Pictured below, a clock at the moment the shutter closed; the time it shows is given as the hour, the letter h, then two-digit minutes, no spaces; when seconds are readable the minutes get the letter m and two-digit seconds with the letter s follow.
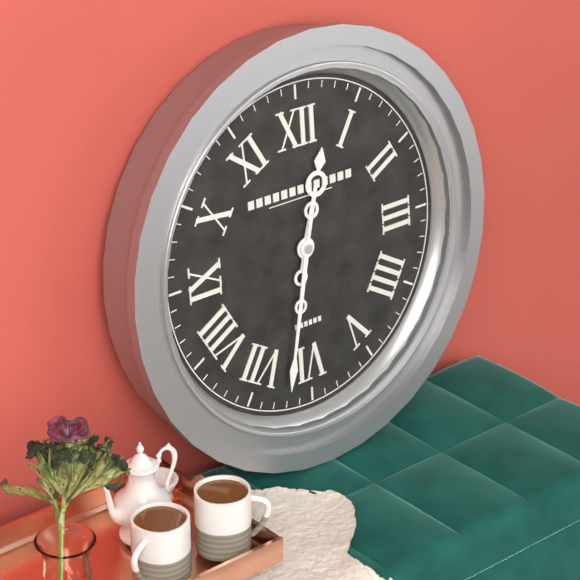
12h32
